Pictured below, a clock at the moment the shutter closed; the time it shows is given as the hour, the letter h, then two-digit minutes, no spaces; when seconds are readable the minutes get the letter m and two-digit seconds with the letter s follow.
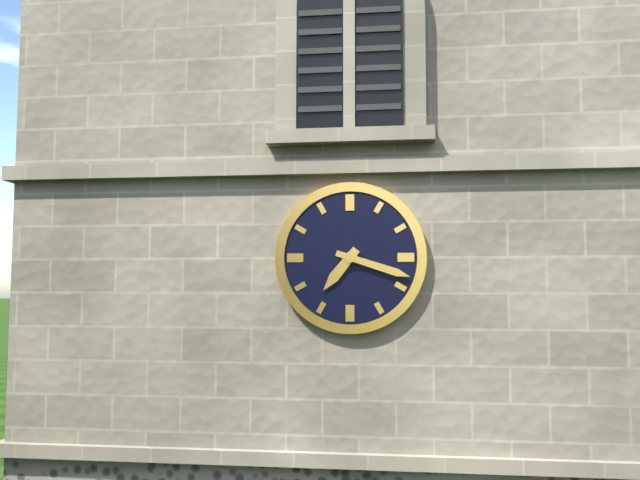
7h18
